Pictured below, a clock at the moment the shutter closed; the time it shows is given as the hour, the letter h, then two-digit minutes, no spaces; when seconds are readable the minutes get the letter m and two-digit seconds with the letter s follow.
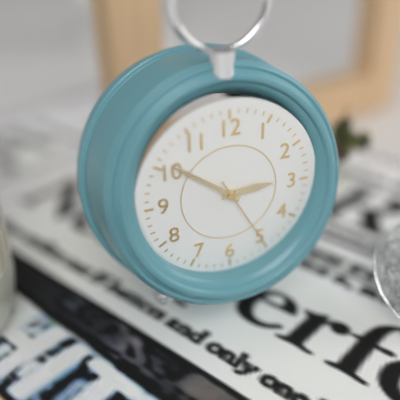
2h51m25s
